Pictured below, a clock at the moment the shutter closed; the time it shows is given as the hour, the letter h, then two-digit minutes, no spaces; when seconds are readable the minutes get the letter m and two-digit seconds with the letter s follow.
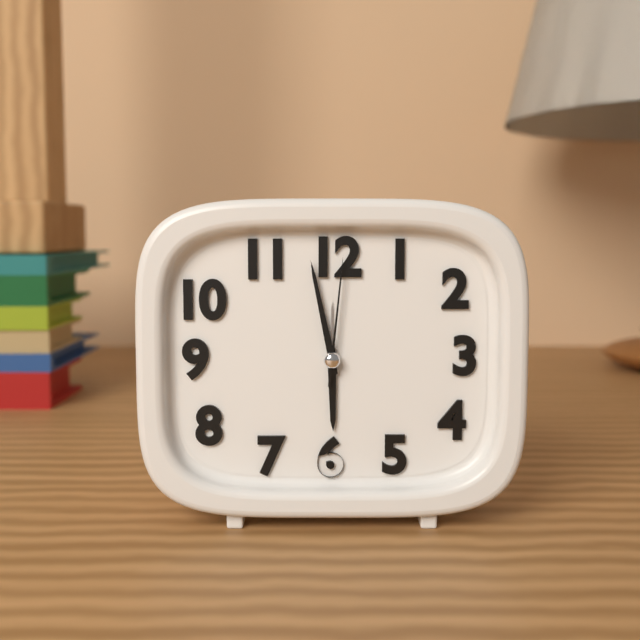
5h58m01s
